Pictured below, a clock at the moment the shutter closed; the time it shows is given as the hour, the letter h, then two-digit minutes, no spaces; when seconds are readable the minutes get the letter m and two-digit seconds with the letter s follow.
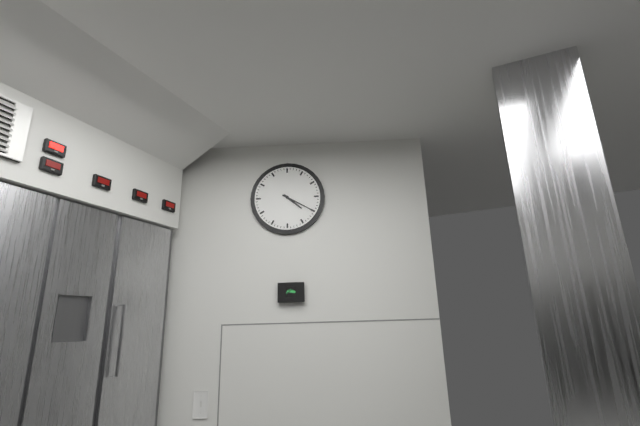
4h20
